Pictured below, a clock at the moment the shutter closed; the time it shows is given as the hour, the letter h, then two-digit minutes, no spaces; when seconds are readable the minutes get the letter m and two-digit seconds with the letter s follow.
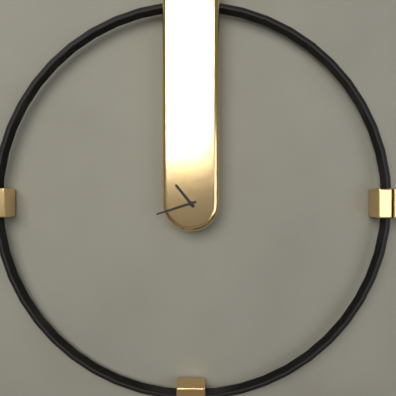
10h42
